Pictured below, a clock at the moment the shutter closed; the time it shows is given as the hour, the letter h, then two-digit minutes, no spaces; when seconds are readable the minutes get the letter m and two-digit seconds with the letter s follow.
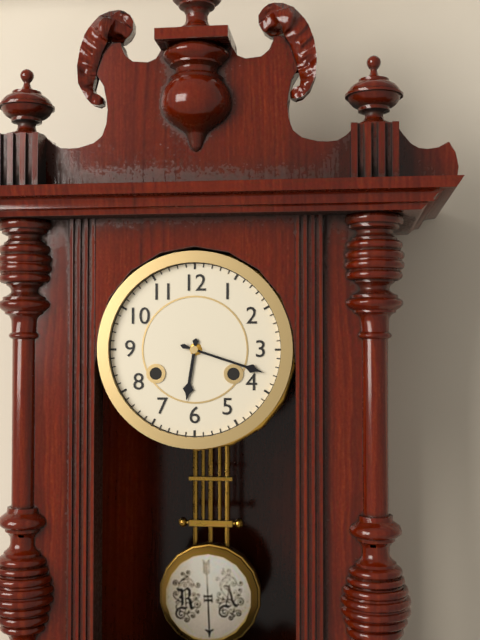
6h18
